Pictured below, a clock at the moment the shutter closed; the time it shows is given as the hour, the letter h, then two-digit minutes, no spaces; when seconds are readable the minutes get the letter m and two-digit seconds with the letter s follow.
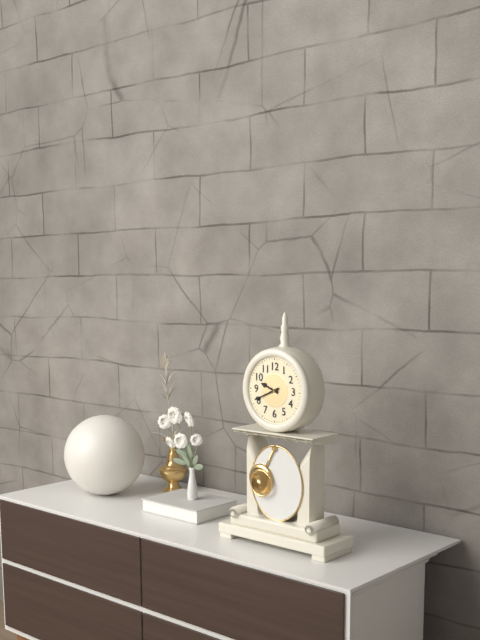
9h41
